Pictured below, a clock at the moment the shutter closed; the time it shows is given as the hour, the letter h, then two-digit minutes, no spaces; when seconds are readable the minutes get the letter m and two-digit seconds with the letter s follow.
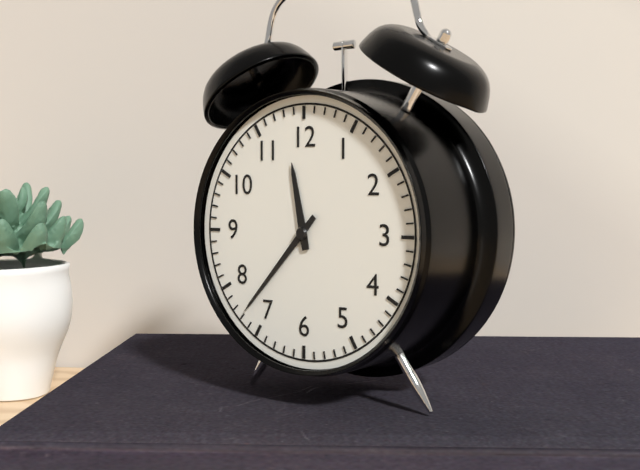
11h37
